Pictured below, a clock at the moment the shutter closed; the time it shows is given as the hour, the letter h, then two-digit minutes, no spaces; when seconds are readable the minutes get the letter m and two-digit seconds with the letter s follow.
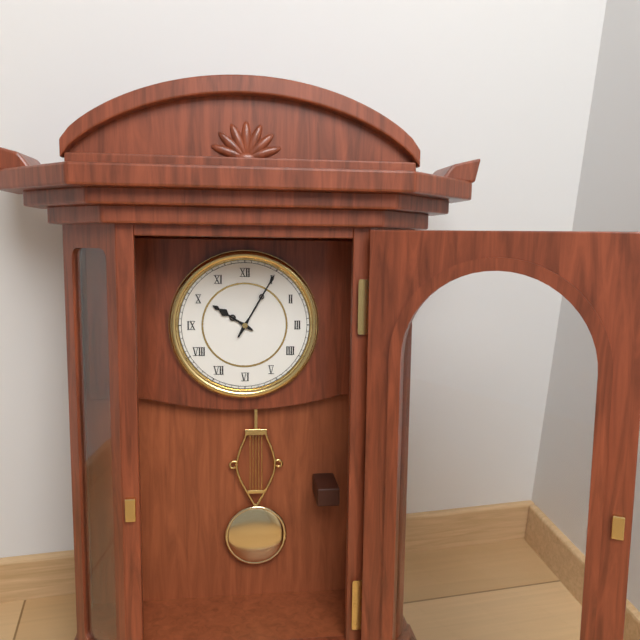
10h05
